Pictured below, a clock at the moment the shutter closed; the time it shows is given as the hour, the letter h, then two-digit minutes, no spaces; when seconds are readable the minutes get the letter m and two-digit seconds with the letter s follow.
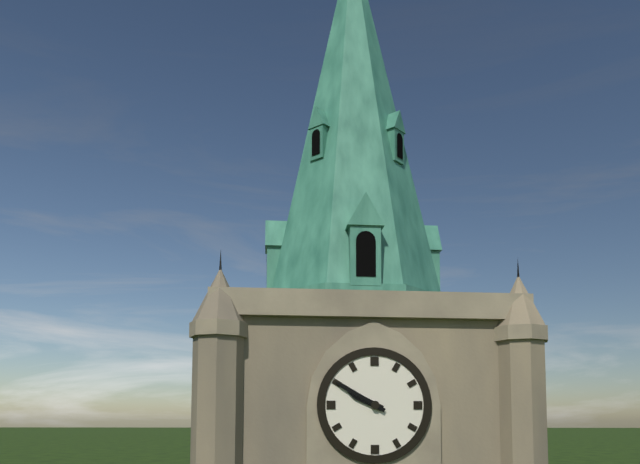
9h50
